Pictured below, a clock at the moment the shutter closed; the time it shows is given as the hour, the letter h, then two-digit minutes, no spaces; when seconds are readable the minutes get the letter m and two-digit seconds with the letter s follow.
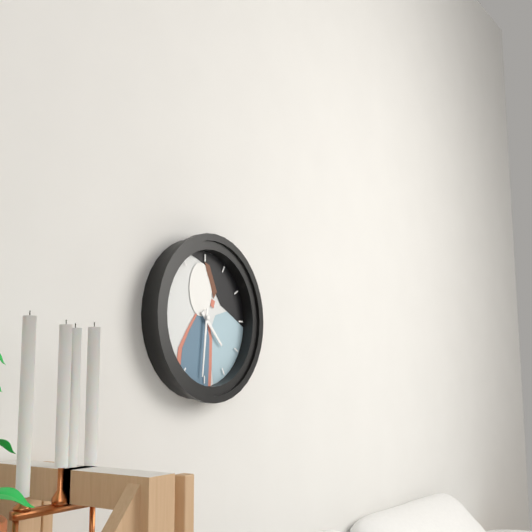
4h31
